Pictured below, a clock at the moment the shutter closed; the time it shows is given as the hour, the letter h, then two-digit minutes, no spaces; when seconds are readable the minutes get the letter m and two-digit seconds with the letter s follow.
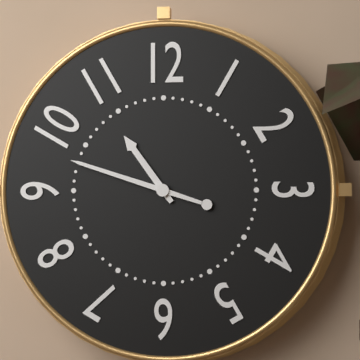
10h48
